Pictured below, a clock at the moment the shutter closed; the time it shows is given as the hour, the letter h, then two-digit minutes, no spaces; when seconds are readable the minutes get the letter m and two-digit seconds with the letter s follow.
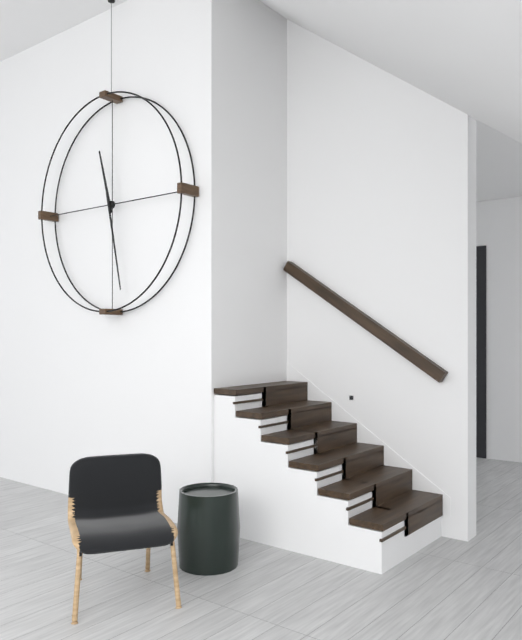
11h28
